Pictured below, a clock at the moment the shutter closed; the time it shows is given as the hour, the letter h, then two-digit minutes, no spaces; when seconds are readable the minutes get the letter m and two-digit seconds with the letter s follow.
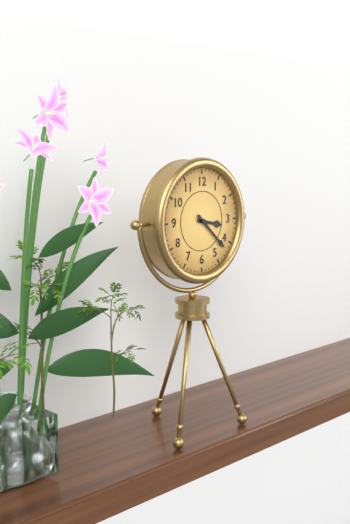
3h22
